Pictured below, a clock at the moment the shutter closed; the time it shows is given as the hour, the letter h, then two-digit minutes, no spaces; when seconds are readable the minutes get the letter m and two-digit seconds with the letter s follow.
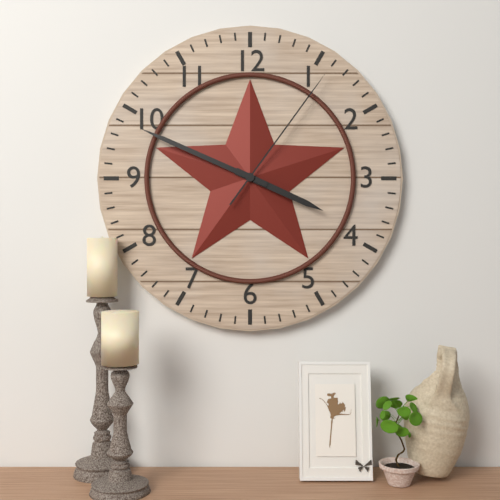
3h49m06s
